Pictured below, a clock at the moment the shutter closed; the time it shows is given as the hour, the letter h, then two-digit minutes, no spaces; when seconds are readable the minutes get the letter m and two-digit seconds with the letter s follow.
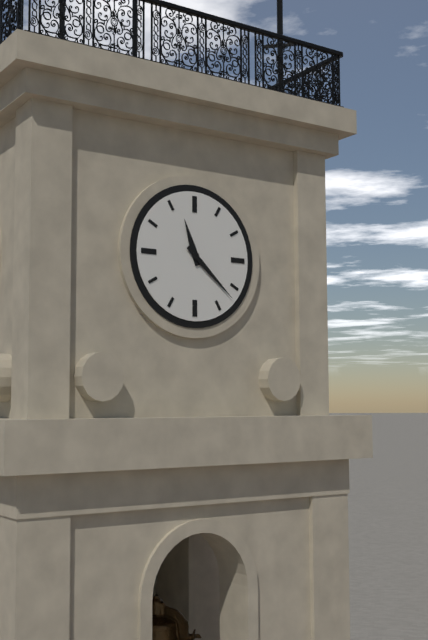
11h22
